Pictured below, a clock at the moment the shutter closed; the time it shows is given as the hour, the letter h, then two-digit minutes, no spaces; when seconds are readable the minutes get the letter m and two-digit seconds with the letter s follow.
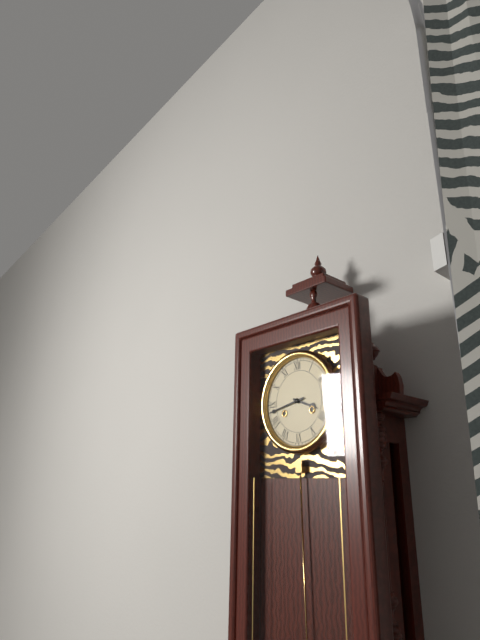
3h43
